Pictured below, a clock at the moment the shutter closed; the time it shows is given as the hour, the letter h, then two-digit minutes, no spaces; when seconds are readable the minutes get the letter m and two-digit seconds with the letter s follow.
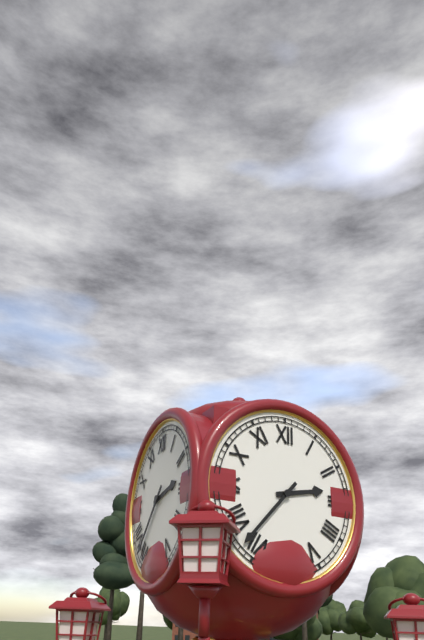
2h37
